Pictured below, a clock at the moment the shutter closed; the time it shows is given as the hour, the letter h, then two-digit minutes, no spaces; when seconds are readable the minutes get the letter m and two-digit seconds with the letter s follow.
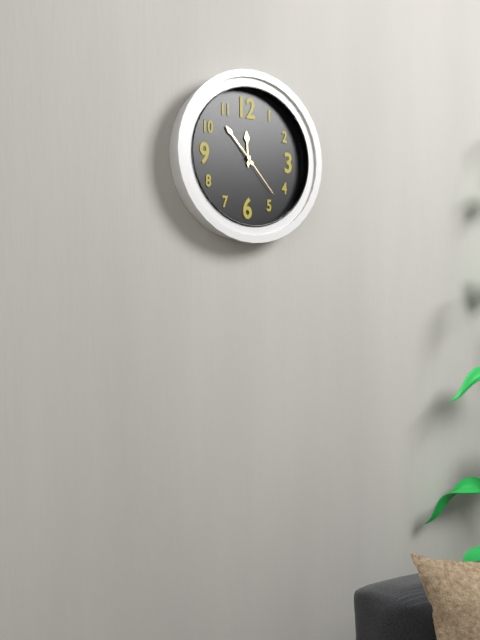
11h53m23s
